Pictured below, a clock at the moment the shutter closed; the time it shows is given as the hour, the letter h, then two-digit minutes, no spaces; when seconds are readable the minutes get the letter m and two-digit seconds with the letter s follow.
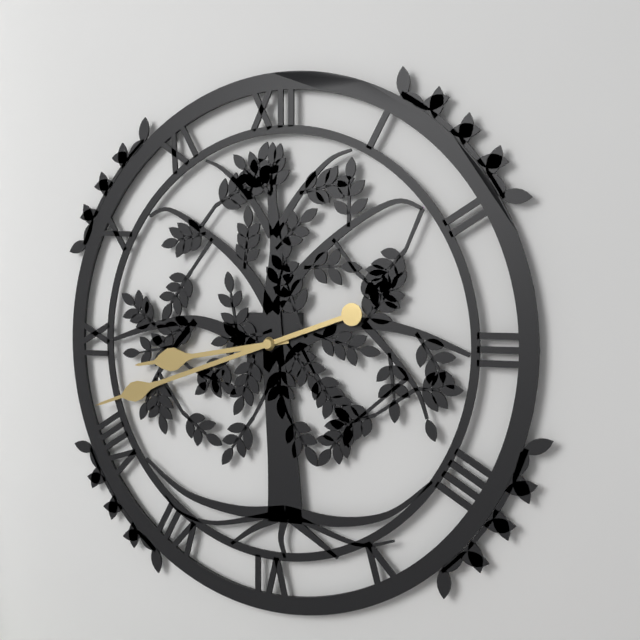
8h42
